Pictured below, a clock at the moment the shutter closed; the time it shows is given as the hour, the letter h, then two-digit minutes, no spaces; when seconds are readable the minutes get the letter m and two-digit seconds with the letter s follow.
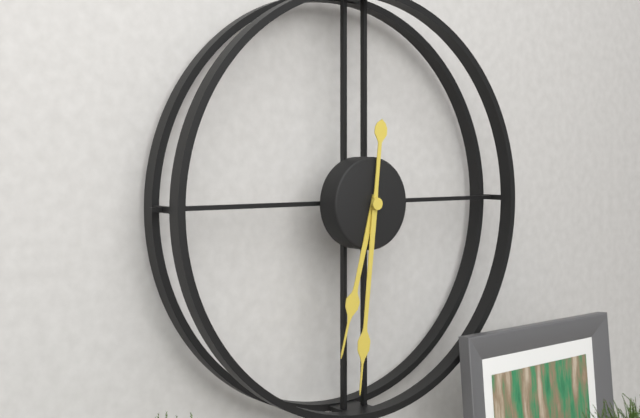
6h31
